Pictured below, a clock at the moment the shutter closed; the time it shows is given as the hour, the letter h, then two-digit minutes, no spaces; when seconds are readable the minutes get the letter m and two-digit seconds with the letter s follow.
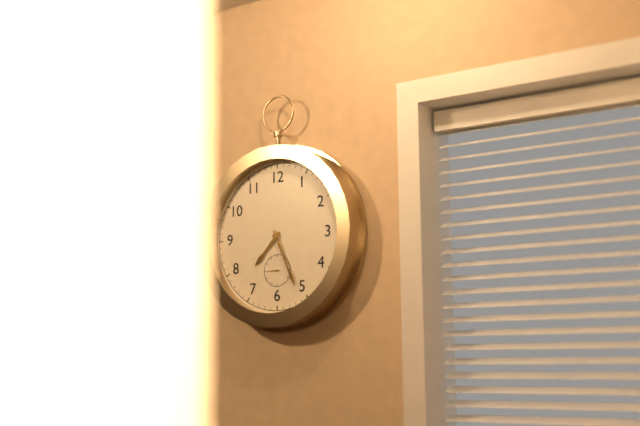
7h26
